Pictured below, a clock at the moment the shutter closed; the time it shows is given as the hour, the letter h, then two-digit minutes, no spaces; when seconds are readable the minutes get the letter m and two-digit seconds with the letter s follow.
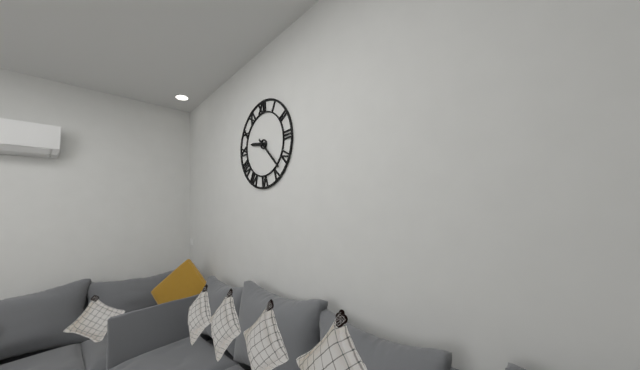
9h23
